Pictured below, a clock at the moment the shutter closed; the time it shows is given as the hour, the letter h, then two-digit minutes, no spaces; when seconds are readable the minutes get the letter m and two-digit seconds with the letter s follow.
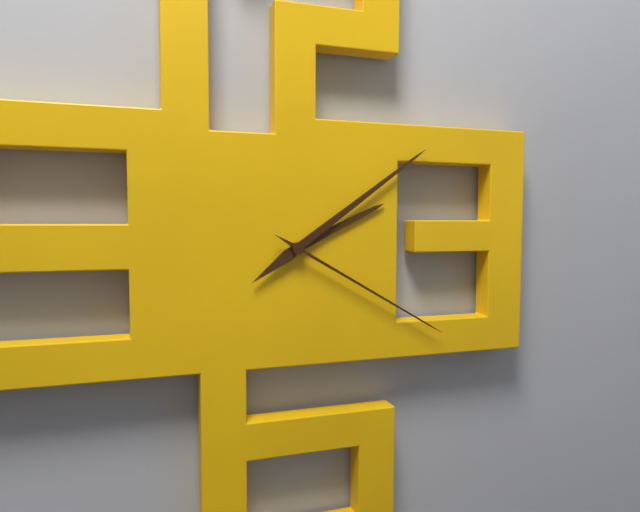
2h09m20s
